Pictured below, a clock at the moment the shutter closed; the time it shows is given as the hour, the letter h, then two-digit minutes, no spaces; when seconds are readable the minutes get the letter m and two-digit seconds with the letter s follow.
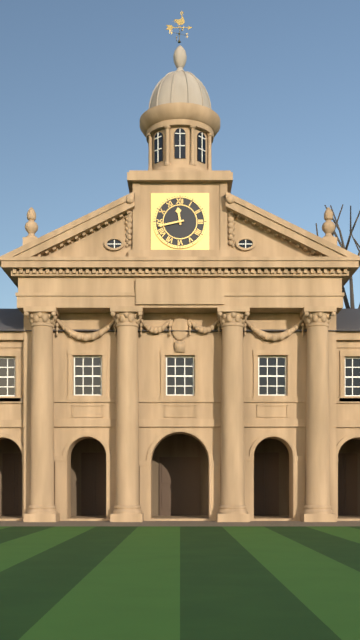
11h43
